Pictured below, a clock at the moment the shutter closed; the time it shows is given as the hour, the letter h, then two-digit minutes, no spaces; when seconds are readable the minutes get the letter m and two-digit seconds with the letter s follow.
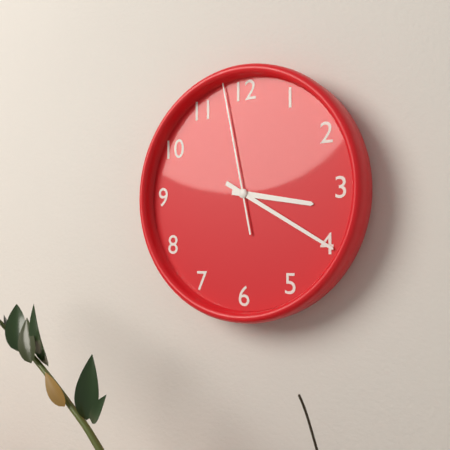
3h20m58s
